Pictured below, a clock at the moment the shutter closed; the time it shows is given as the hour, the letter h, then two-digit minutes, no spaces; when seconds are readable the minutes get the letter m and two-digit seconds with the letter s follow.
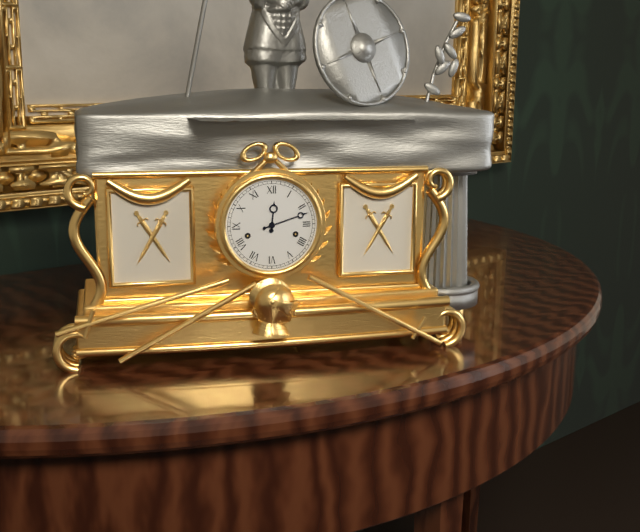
12h12
